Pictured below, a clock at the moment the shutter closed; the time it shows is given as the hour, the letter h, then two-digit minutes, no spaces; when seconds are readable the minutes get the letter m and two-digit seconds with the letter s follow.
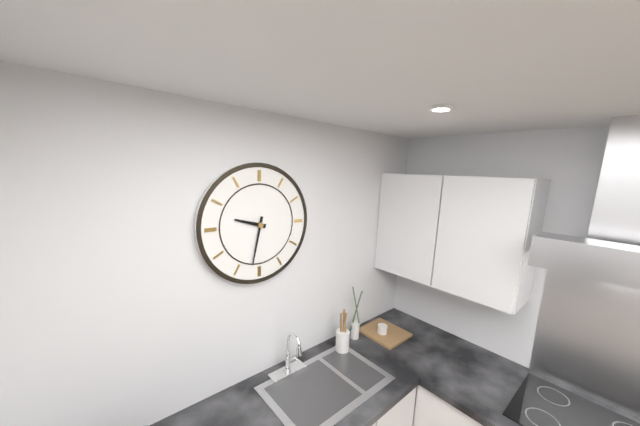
9h32
